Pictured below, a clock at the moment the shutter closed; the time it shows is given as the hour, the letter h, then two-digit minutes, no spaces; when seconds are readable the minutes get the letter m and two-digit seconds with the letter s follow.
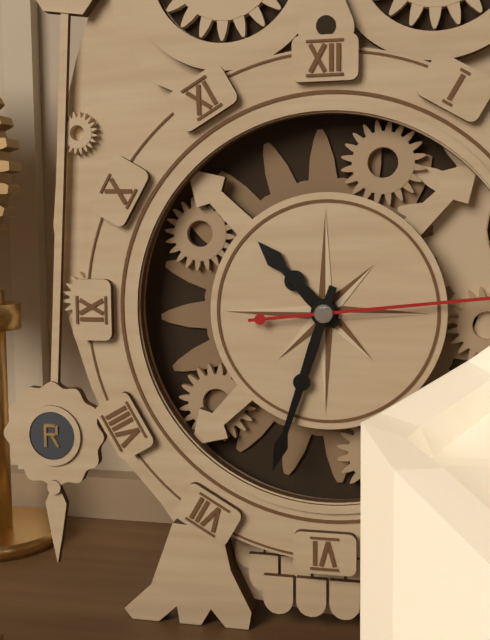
10h33
